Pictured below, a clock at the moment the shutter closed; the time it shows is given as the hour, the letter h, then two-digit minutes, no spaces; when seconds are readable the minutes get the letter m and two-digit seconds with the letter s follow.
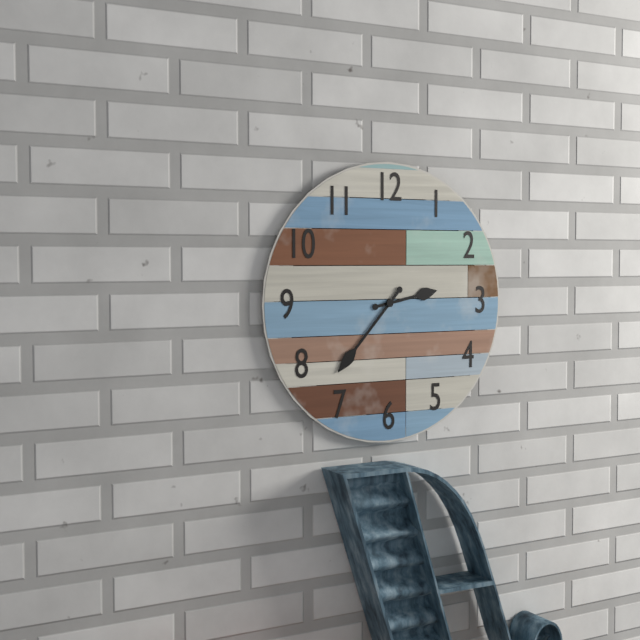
2h37
